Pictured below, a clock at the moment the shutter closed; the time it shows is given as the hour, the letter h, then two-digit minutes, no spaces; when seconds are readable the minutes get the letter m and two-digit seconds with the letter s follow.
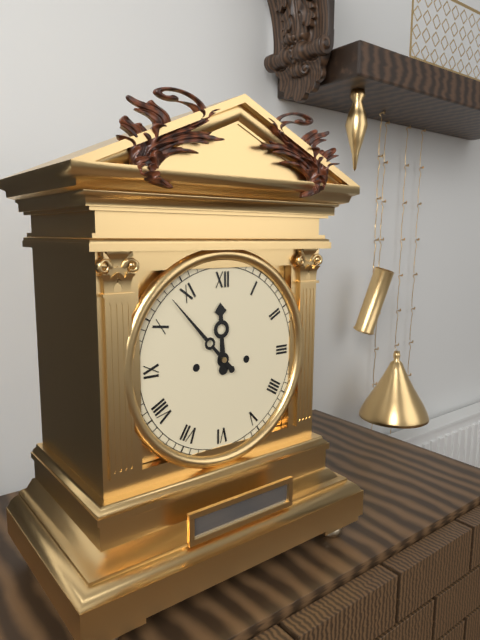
11h53
